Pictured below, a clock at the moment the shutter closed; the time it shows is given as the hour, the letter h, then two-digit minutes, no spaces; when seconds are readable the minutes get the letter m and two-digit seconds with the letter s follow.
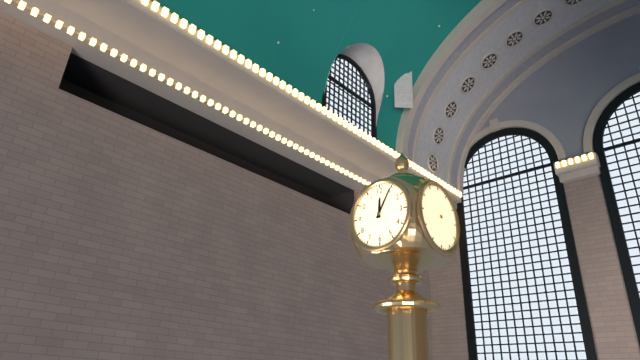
12h05
